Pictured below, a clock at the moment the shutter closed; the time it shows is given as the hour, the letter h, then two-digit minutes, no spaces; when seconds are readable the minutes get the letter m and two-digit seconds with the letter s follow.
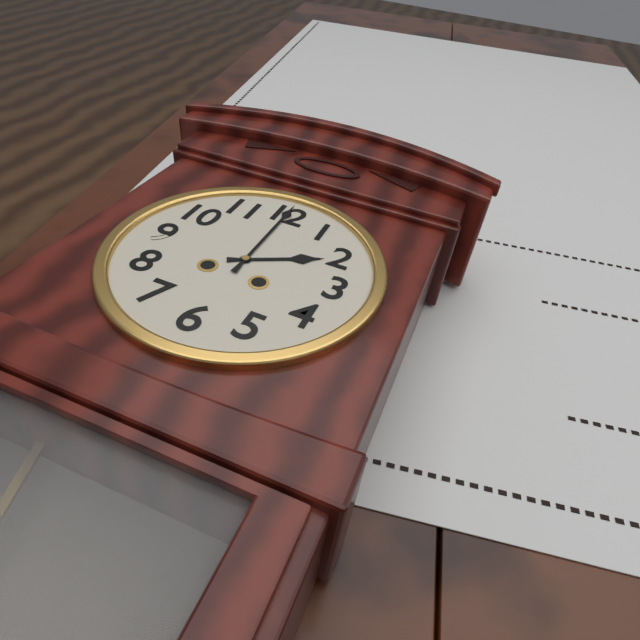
2h00
